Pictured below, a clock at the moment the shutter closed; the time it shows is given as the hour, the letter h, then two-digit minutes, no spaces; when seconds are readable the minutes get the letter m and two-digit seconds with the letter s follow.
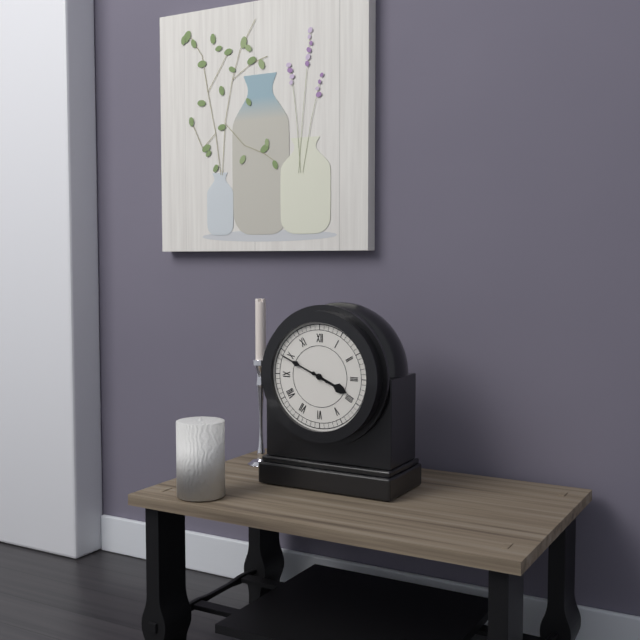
3h49
